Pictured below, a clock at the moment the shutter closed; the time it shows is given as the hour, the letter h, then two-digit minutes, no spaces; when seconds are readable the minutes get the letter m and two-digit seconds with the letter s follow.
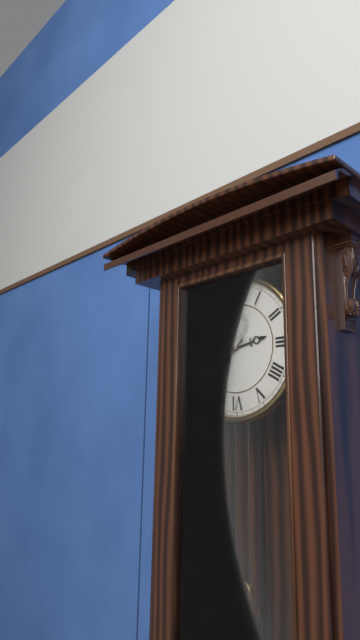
2h38
